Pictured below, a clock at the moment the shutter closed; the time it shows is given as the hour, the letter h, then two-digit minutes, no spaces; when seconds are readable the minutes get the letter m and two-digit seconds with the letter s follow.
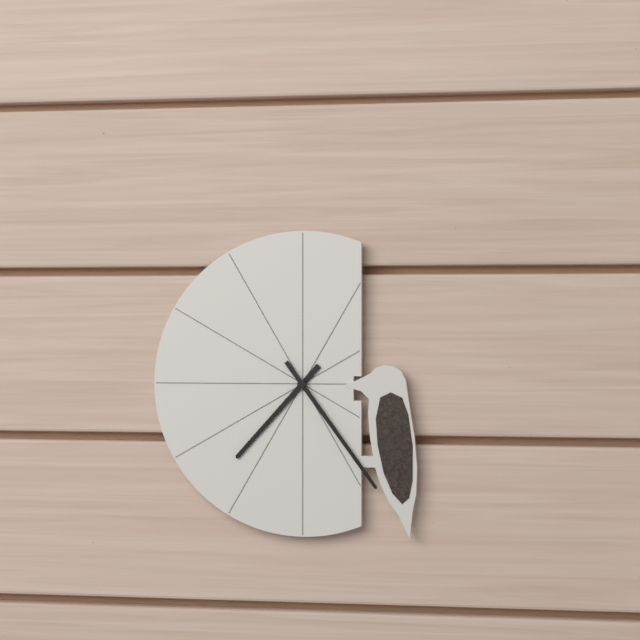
7h24
